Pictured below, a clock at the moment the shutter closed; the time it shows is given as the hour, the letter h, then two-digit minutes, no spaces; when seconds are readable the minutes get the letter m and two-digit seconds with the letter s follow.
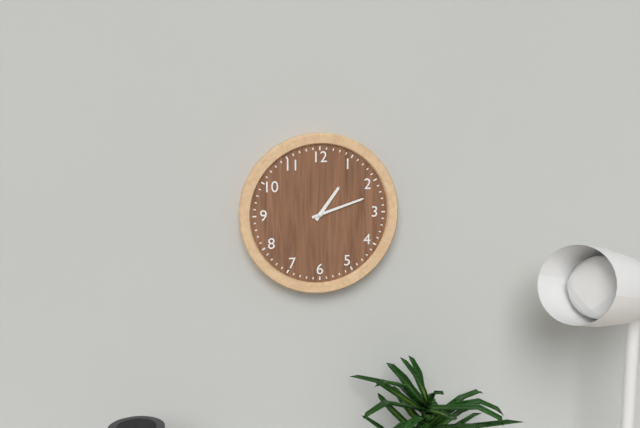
1h12
